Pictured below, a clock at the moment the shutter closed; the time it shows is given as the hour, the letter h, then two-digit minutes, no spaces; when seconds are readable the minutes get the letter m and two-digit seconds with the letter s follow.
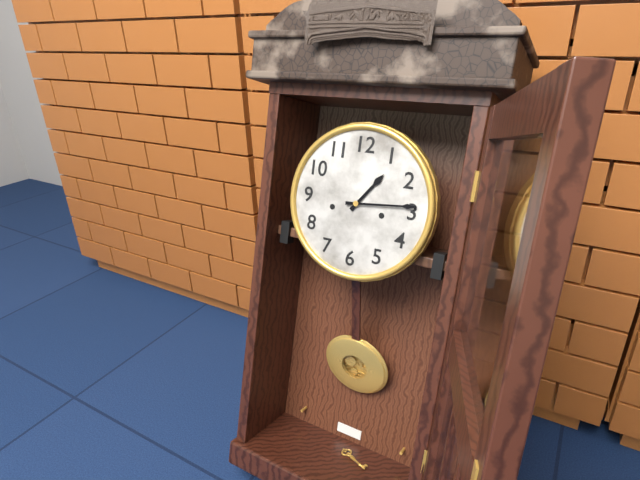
1h14
